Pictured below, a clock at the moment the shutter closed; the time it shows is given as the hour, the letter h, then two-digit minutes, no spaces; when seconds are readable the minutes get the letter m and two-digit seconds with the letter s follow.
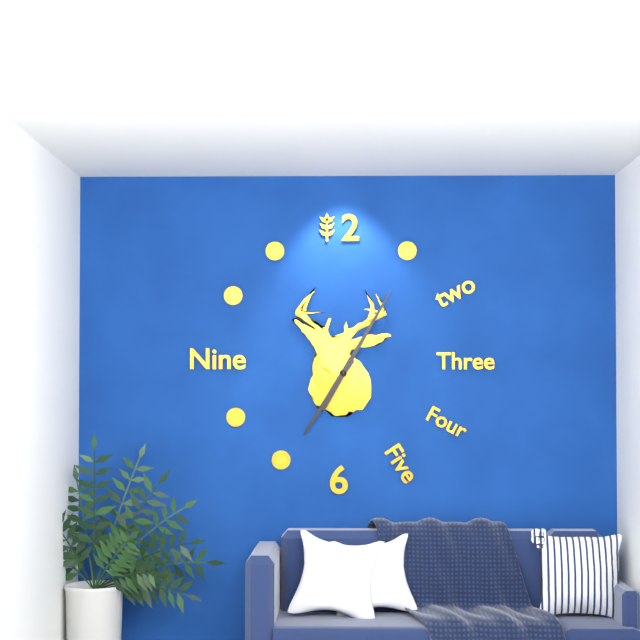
7h05
